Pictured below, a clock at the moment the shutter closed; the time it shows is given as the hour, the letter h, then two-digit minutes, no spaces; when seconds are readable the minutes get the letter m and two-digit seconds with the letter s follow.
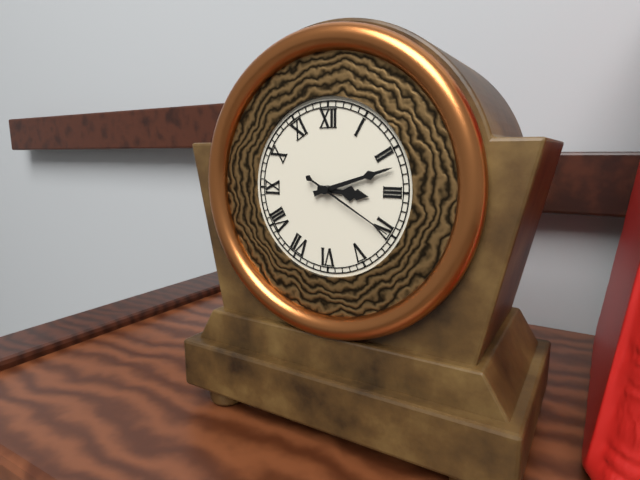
3h12m20s
